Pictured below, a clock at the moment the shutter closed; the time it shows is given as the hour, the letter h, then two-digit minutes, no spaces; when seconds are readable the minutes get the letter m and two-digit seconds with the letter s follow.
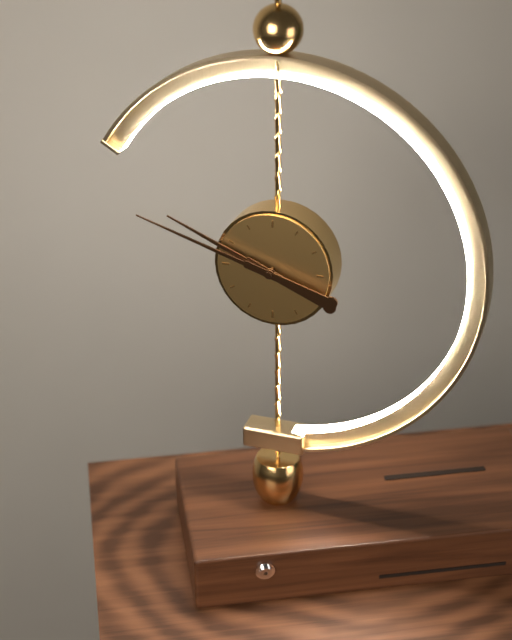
9h48
